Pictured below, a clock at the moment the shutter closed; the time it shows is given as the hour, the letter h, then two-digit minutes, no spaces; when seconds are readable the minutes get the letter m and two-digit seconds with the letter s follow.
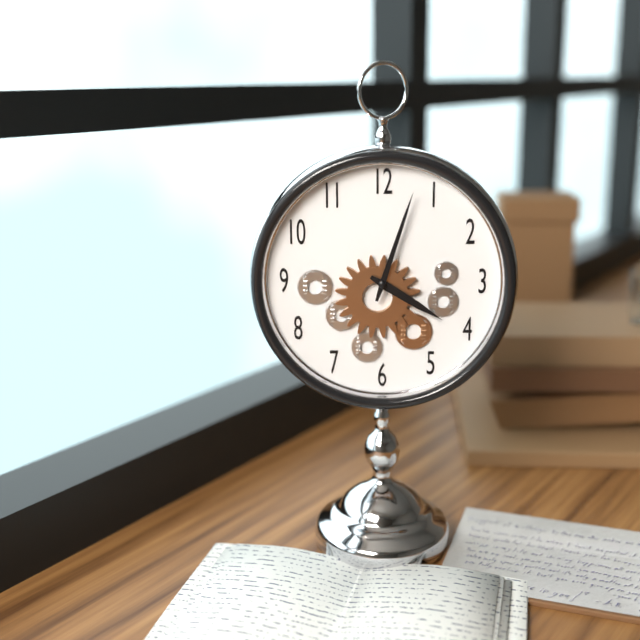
4h03
